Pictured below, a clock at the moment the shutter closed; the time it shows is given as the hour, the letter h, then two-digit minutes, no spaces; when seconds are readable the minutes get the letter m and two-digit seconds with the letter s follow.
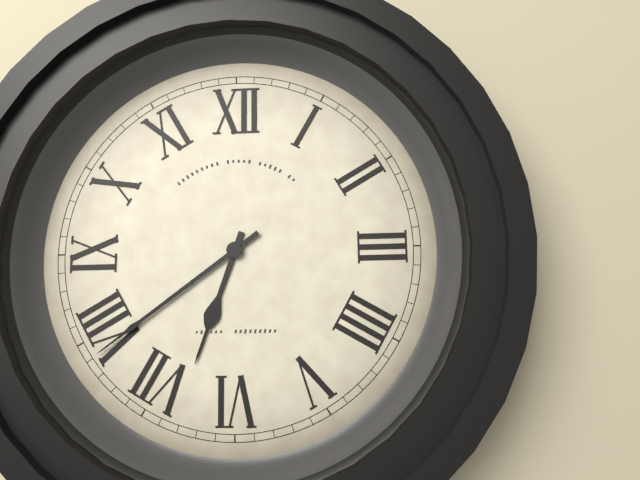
6h39
